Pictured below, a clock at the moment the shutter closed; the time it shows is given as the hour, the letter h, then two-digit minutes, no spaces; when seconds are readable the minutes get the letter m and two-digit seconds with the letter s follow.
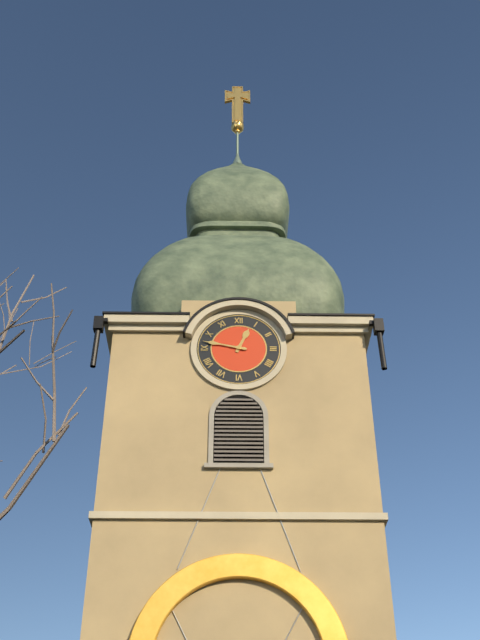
12h47
